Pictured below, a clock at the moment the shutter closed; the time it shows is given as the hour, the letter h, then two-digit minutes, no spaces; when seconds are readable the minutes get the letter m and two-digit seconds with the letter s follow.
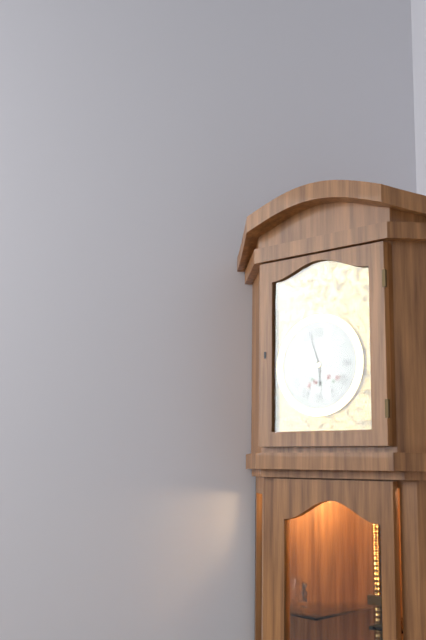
5h57
